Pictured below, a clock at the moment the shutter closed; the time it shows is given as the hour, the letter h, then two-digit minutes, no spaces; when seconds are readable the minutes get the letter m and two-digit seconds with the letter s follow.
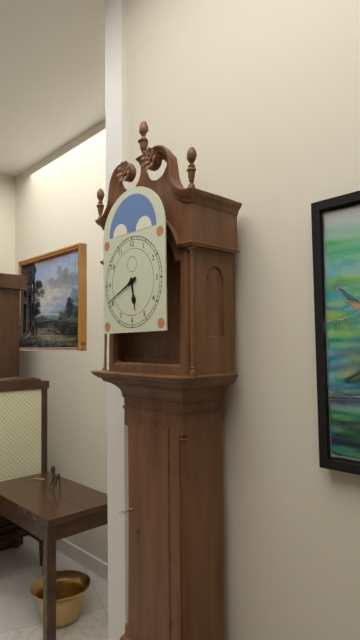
5h41
